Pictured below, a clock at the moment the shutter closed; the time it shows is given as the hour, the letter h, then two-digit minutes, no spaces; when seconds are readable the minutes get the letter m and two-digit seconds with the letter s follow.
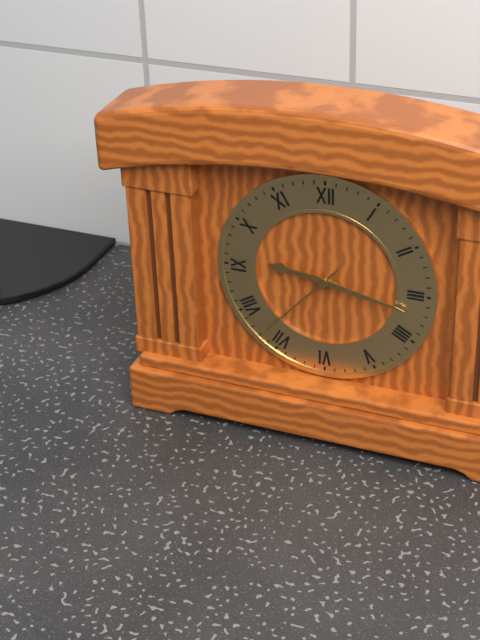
9h17m37s
